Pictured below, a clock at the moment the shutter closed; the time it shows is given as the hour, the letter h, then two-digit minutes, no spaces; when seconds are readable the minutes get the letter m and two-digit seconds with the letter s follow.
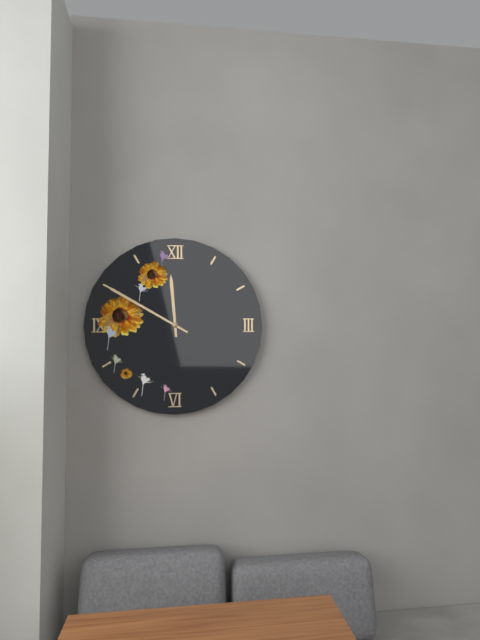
11h50
